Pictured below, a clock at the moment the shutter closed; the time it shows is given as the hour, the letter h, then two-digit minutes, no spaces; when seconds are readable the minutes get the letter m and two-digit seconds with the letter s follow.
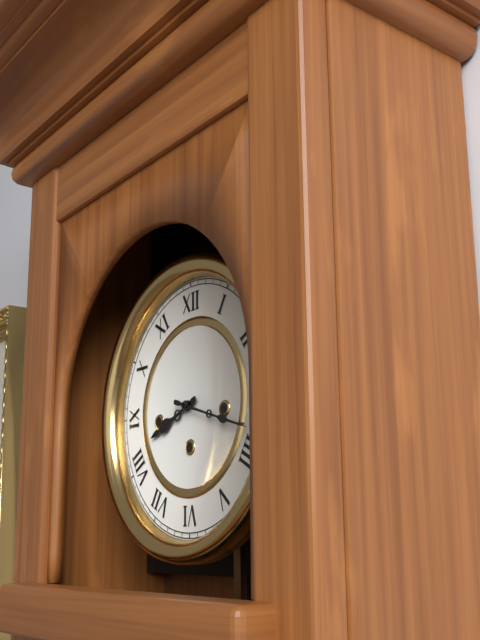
8h18
